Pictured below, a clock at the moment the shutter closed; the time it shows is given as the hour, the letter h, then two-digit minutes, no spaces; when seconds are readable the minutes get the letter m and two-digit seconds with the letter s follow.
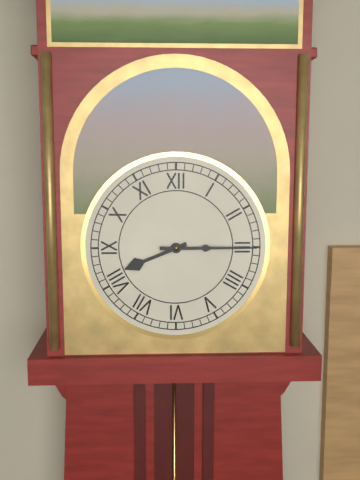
8h15
